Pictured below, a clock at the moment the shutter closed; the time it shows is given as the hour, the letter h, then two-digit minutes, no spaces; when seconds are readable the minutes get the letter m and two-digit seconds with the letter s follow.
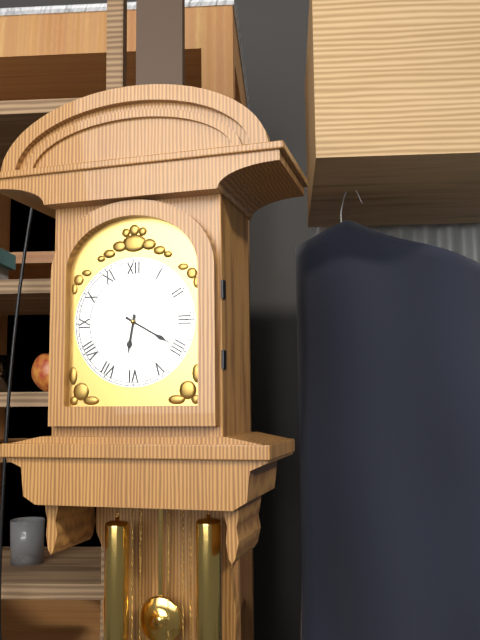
6h20
